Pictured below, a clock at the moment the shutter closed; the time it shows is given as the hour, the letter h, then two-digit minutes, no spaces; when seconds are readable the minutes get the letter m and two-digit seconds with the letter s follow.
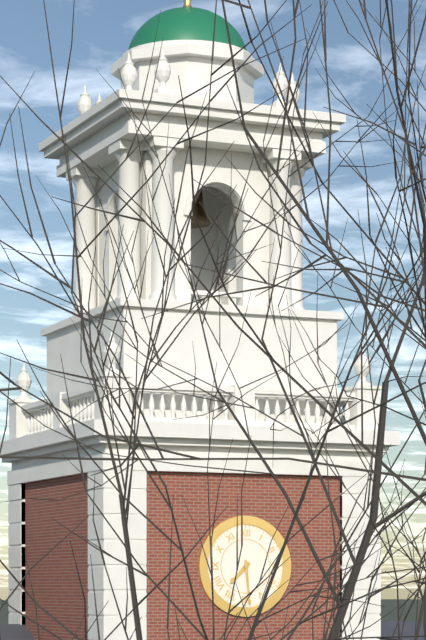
7h29
